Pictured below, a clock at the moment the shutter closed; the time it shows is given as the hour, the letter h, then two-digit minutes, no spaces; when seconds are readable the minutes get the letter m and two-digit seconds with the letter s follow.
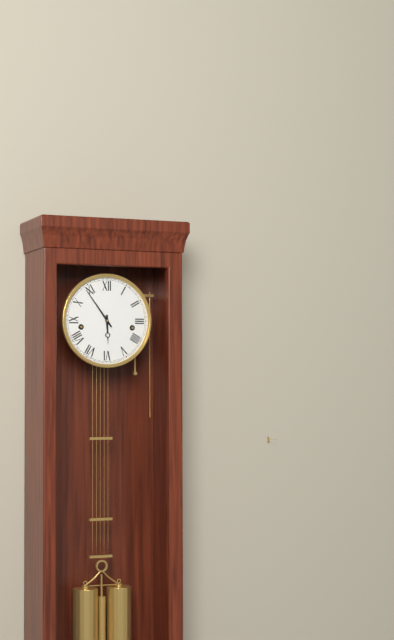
5h54
